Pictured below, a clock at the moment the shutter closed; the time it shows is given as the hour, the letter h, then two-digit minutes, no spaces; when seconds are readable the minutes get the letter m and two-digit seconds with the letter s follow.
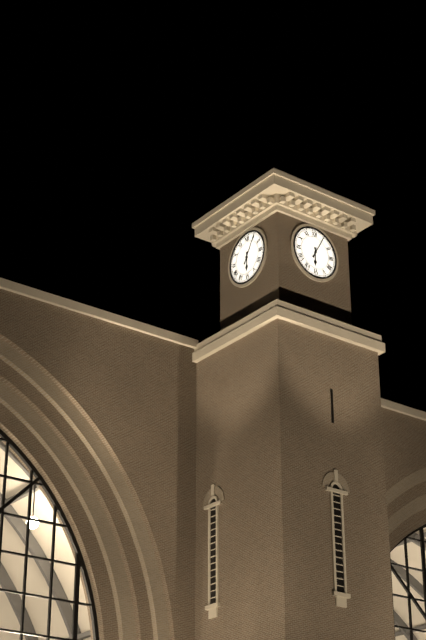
6h05
